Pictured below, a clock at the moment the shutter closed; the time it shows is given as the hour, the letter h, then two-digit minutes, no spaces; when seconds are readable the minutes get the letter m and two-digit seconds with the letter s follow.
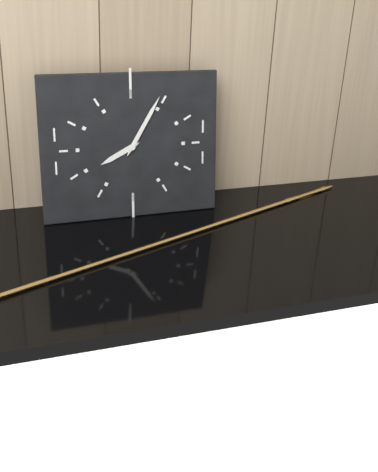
8h05
